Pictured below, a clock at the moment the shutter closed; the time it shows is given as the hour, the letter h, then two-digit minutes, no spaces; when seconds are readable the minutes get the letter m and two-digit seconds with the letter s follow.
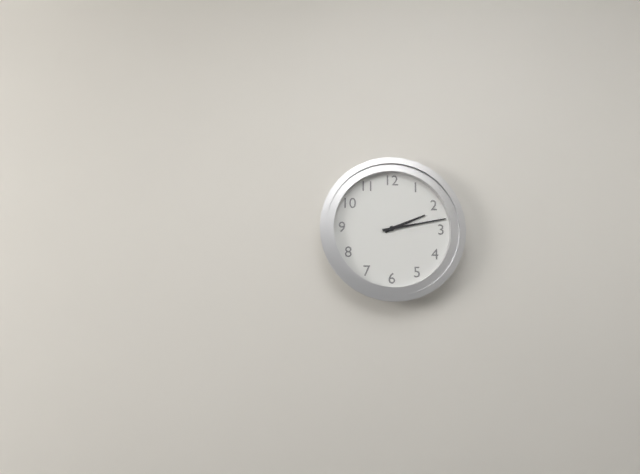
2h13
